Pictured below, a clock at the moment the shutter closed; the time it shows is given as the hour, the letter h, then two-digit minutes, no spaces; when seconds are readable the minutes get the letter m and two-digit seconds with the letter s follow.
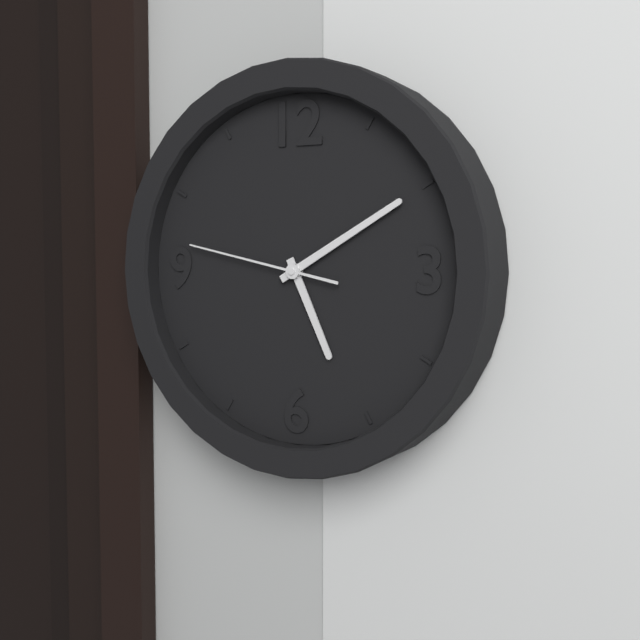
5h10m47s
